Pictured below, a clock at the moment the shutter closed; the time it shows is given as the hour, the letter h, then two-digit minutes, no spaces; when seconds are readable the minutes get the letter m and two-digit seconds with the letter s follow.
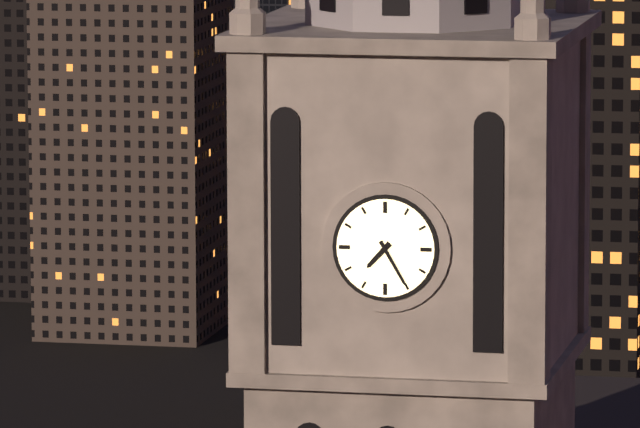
7h25
